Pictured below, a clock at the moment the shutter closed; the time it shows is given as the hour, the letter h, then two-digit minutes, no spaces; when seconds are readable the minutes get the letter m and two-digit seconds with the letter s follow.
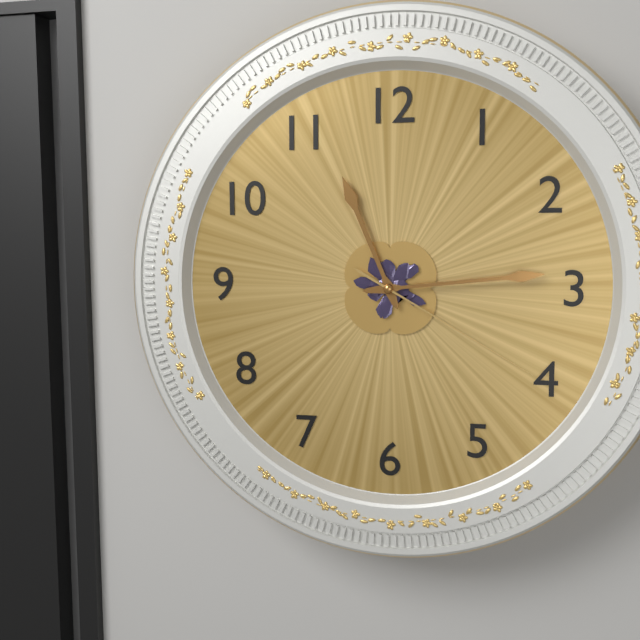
11h14m20s
